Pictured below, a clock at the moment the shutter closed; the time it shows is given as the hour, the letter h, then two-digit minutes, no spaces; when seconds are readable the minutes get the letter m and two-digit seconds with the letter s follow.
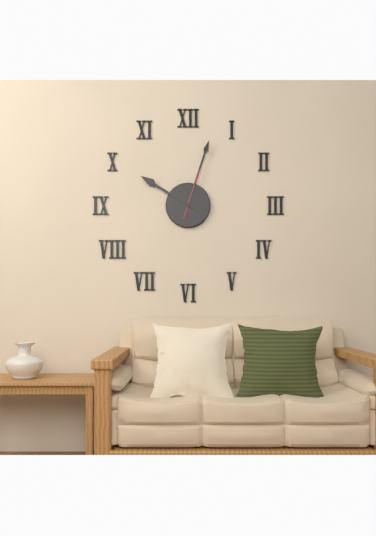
10h03
